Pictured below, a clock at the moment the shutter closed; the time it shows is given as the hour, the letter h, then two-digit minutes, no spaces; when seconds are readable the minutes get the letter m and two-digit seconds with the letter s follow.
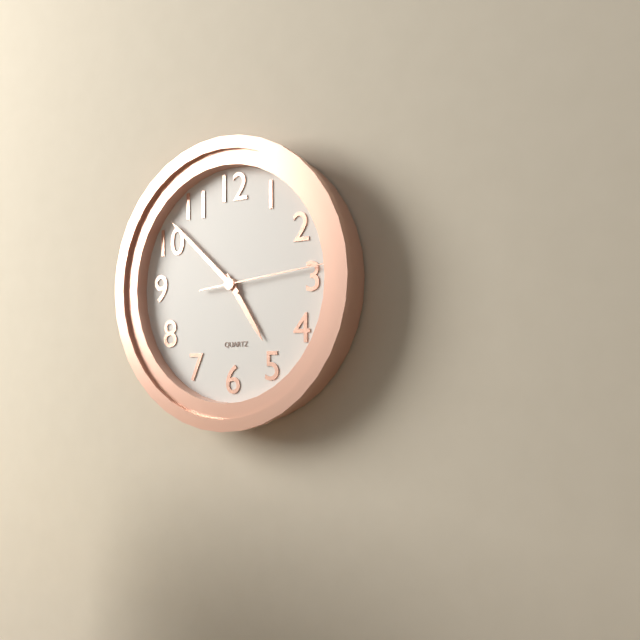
4h52m14s
